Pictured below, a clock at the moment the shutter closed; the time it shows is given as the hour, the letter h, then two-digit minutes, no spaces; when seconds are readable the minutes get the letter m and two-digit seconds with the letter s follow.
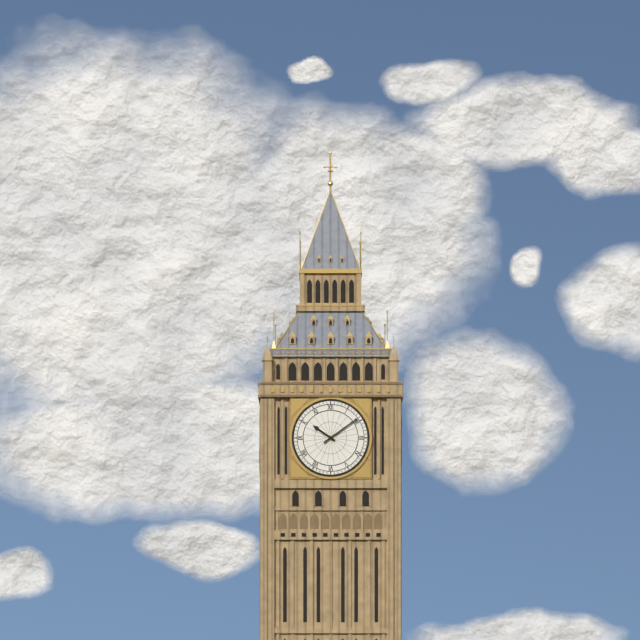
10h09
